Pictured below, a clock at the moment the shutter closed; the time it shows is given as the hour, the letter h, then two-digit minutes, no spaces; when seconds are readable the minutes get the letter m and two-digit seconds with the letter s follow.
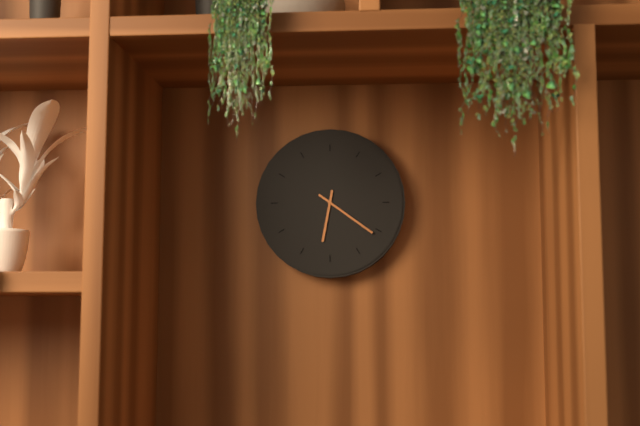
6h21
